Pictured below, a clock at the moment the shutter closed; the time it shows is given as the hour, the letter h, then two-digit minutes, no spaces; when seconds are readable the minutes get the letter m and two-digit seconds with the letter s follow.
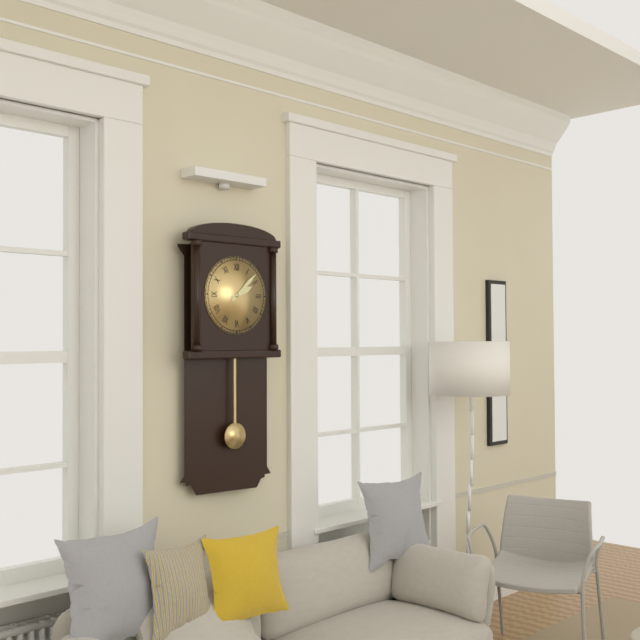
2h08
